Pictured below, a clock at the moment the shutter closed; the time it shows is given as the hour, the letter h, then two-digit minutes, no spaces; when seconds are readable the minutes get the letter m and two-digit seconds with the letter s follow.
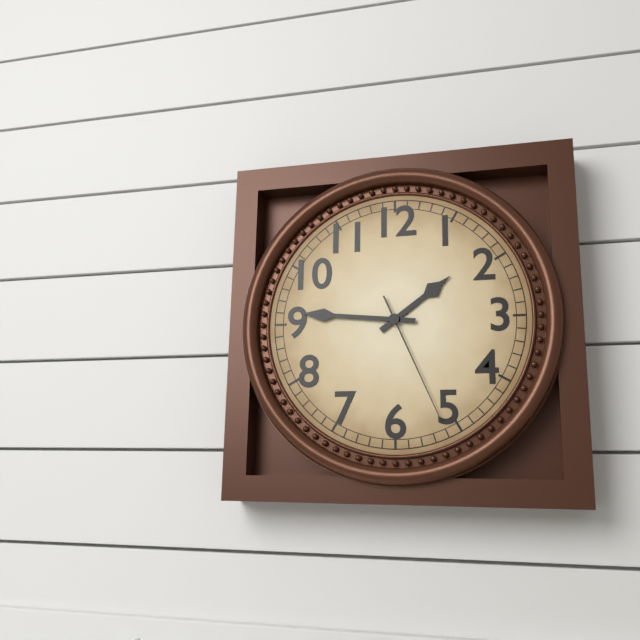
1h46m26s
